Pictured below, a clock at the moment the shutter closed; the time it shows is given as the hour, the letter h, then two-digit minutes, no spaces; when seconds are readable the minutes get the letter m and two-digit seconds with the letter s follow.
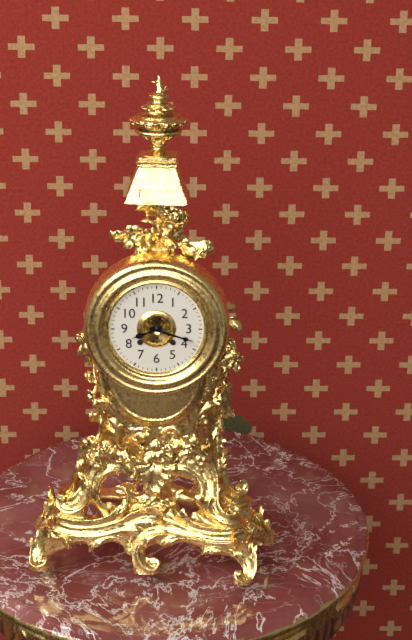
8h18
